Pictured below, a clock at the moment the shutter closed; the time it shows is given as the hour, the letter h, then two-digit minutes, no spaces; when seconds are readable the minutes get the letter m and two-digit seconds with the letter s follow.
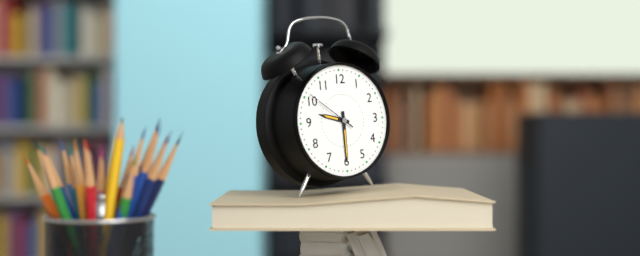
9h30m51s
